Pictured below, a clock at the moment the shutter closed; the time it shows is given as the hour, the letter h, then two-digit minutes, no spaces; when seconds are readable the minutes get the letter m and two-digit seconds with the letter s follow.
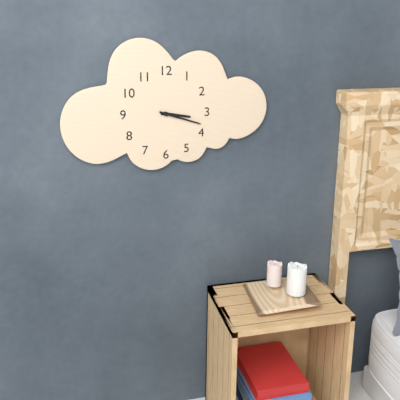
3h18
